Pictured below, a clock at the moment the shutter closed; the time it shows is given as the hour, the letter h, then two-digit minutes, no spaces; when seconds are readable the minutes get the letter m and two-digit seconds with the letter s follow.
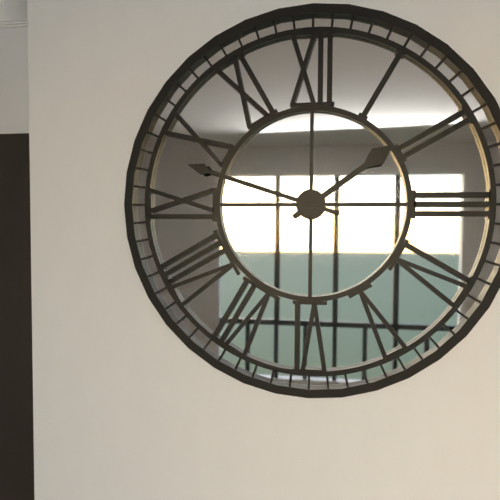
1h48
